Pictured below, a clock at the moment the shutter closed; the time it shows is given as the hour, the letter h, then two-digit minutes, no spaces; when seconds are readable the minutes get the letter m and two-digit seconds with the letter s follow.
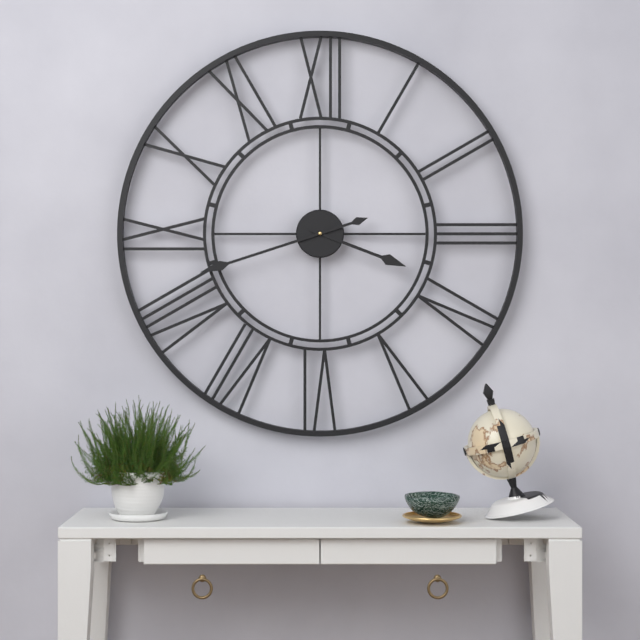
3h42
